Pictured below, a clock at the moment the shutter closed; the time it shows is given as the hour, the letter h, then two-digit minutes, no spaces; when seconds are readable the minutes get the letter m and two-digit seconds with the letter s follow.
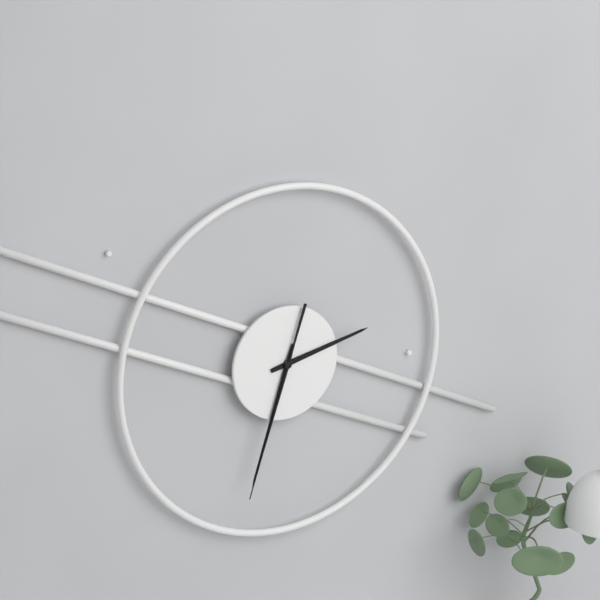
2h33m33s
